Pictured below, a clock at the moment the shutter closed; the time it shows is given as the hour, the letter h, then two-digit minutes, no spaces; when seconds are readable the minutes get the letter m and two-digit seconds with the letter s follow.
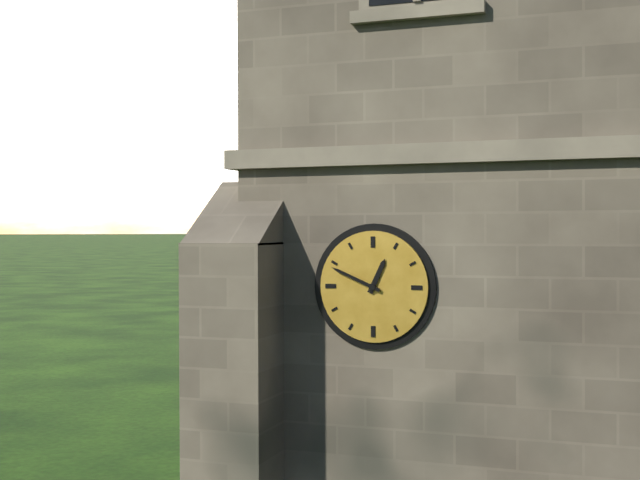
12h49
